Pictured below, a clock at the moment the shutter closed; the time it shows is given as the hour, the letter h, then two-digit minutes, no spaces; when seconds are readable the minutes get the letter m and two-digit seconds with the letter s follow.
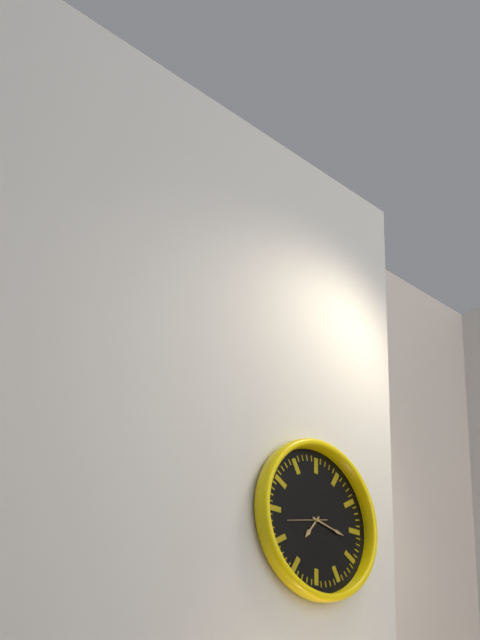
7h17
